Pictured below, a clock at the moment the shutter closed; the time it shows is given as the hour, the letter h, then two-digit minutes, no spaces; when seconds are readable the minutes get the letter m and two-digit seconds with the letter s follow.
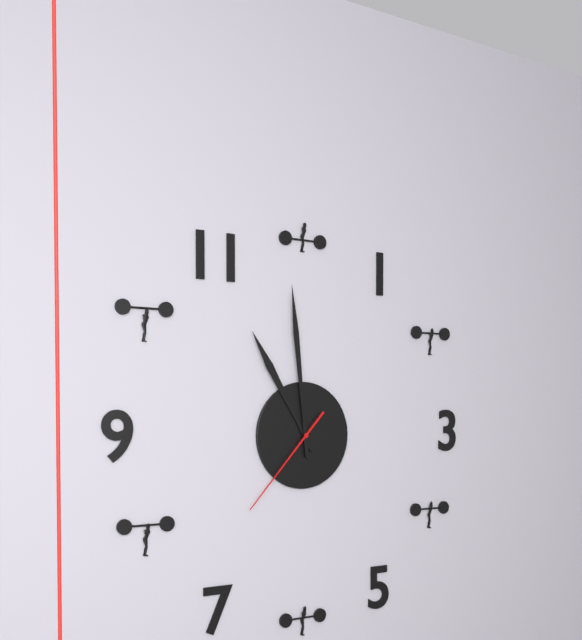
10h59m37s
